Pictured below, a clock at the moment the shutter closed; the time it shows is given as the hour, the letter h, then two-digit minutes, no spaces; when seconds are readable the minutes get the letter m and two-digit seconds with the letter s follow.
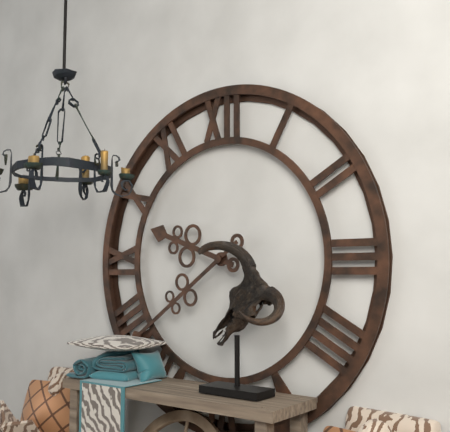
9h39
